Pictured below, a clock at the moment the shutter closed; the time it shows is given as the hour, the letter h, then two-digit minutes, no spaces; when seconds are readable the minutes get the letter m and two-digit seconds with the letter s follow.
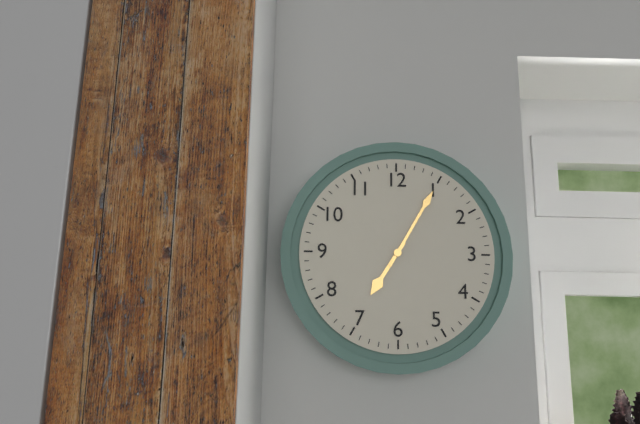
7h05
